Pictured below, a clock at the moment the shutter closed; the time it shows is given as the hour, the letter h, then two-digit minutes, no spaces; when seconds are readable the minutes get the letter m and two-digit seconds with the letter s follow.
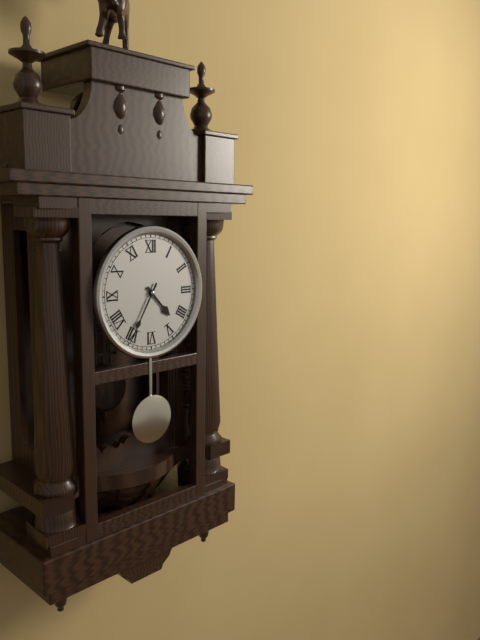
4h35
